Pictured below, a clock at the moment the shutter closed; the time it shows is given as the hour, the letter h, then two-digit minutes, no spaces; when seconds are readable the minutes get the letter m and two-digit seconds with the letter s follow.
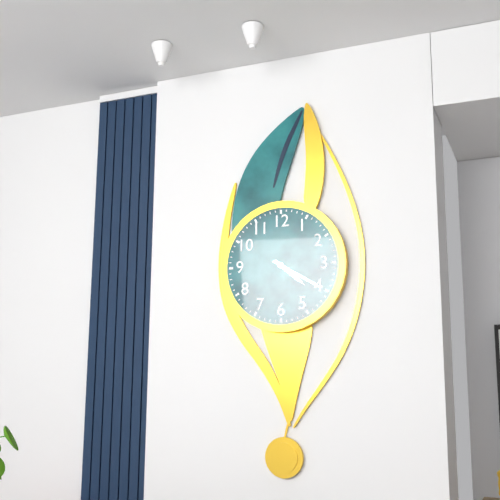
4h20
